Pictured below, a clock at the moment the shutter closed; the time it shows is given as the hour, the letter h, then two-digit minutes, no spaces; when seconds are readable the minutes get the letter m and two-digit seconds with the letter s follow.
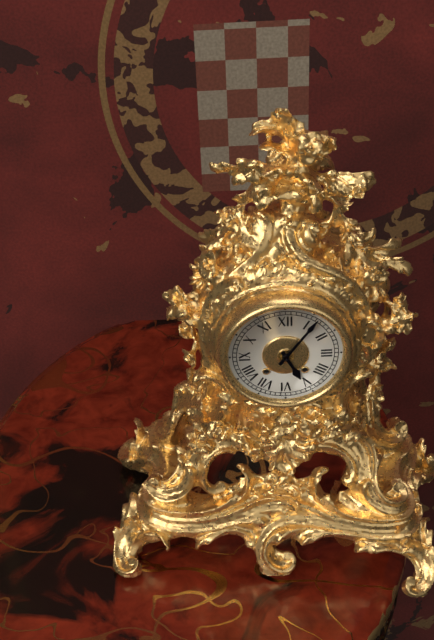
5h06
